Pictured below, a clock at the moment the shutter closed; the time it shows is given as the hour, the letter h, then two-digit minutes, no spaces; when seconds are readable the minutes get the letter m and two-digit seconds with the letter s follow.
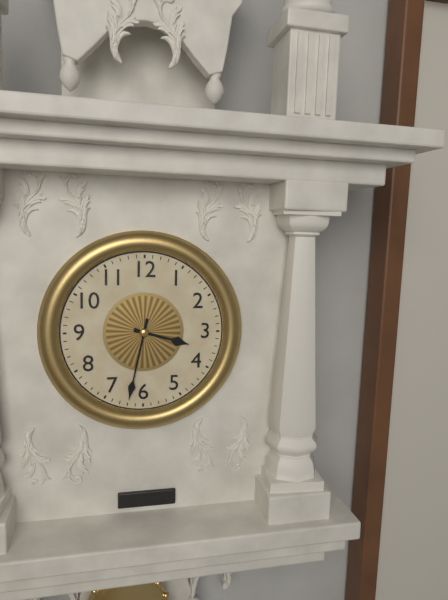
3h32
